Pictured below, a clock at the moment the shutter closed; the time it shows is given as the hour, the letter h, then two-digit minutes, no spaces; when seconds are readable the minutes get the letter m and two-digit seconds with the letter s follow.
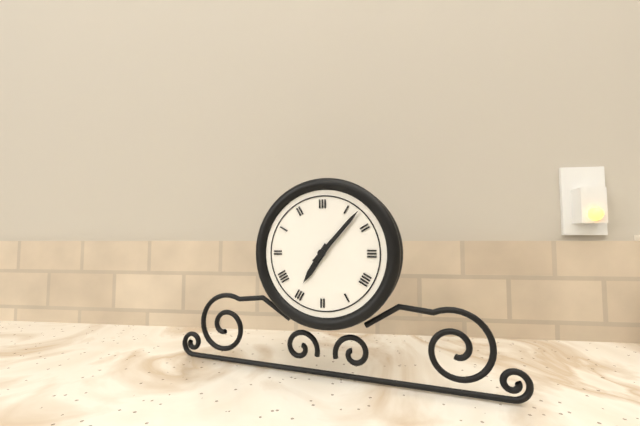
7h07
